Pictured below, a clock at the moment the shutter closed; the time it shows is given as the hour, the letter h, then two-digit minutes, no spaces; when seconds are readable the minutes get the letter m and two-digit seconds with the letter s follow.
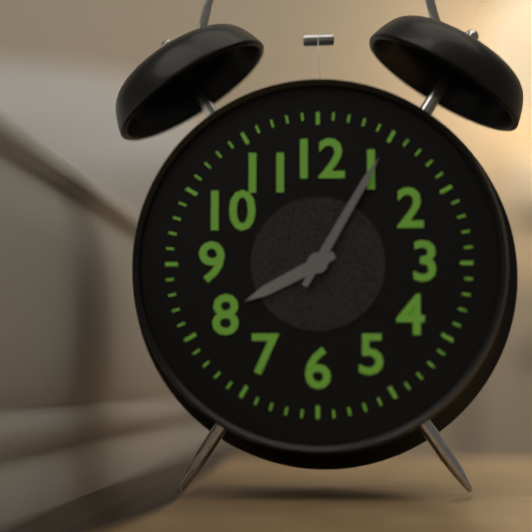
8h05
